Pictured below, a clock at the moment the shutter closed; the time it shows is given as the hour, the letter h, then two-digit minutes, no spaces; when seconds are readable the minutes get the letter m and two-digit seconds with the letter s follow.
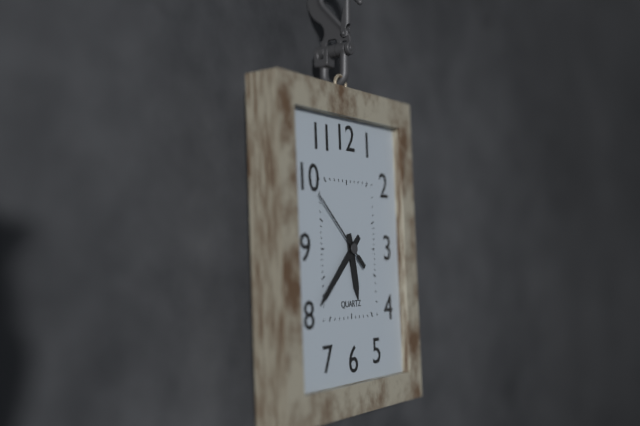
5h38m52s
